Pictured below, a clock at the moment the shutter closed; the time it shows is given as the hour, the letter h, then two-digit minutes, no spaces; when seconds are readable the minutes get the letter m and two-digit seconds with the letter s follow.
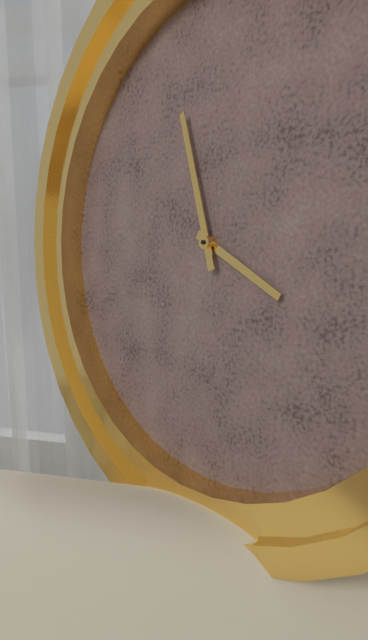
3h57
